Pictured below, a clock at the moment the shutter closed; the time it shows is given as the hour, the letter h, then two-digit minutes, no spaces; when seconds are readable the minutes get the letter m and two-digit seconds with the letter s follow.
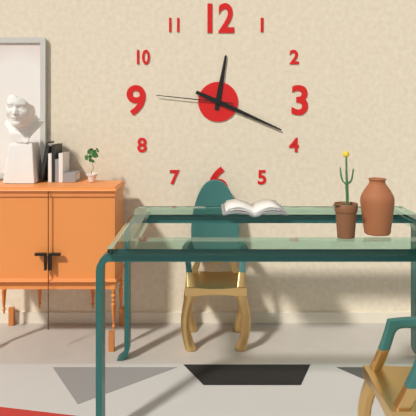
12h19m46s
